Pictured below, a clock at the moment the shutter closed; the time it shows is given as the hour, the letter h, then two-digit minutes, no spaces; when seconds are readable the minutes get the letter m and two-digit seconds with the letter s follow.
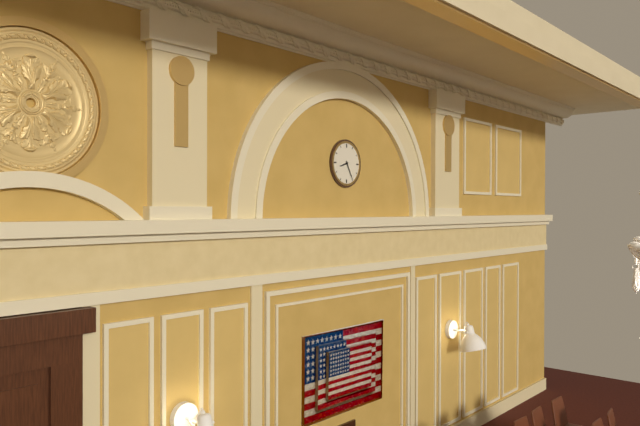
8h25
